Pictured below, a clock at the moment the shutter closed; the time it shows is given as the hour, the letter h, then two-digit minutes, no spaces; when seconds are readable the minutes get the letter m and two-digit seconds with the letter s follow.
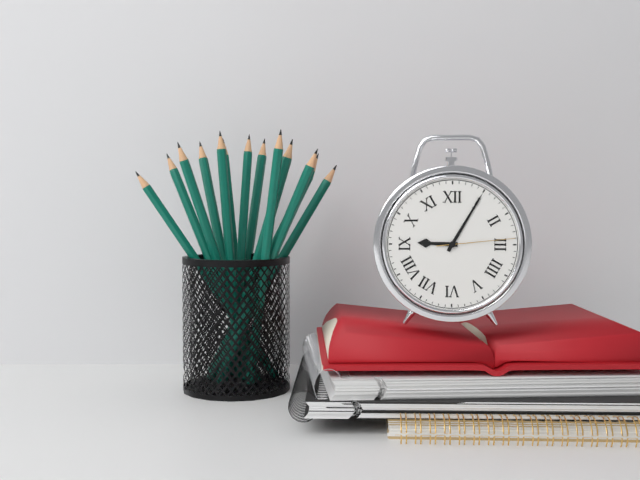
9h05m14s
